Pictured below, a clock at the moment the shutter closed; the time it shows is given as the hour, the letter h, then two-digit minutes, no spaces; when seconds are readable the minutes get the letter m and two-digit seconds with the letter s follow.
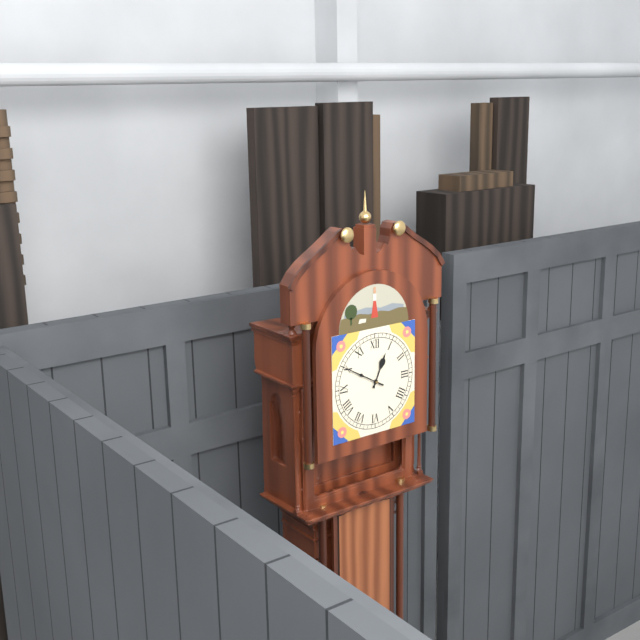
12h50
